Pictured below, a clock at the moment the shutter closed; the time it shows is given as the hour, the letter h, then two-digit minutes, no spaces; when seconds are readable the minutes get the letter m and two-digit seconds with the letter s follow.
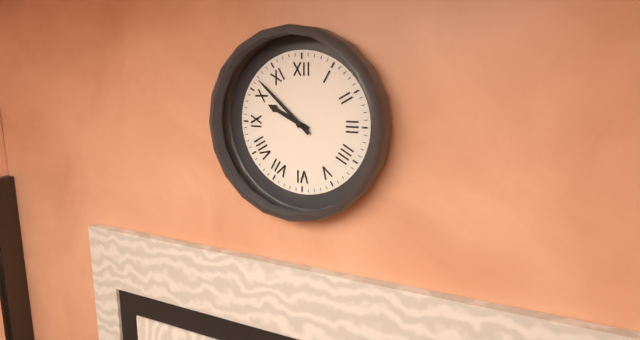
9h52
